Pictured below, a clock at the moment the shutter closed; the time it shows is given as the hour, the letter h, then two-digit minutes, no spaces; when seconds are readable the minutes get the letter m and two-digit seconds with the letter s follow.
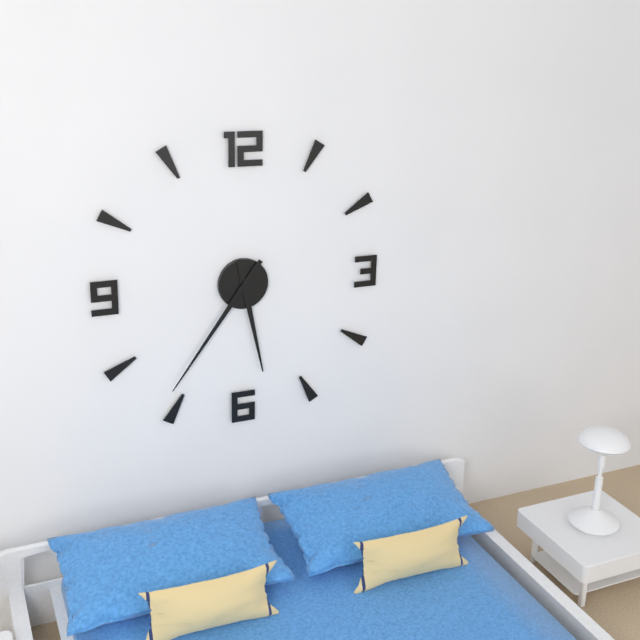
5h36
